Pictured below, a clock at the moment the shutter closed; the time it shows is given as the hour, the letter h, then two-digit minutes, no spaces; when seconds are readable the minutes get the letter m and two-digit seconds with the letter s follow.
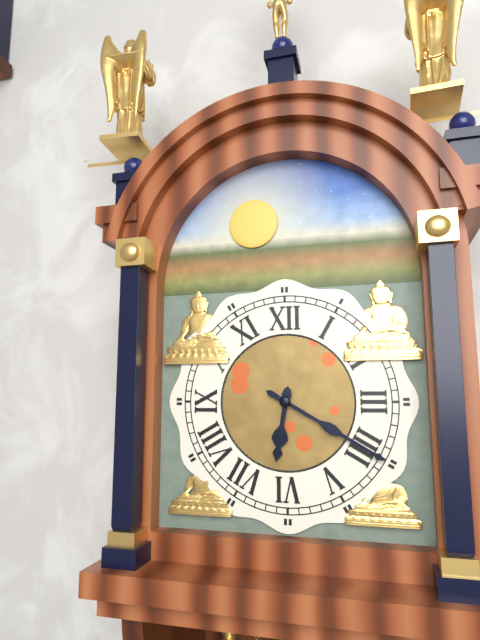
6h20
